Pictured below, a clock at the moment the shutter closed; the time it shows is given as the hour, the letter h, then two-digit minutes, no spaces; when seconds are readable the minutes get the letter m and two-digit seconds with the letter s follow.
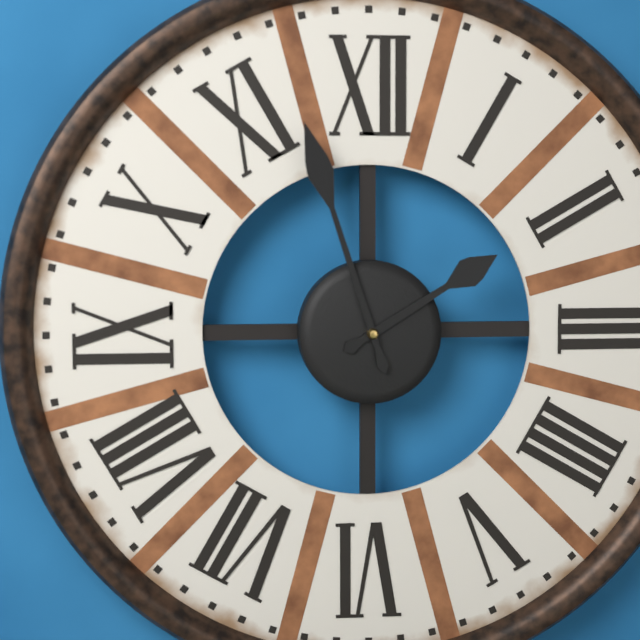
1h57
